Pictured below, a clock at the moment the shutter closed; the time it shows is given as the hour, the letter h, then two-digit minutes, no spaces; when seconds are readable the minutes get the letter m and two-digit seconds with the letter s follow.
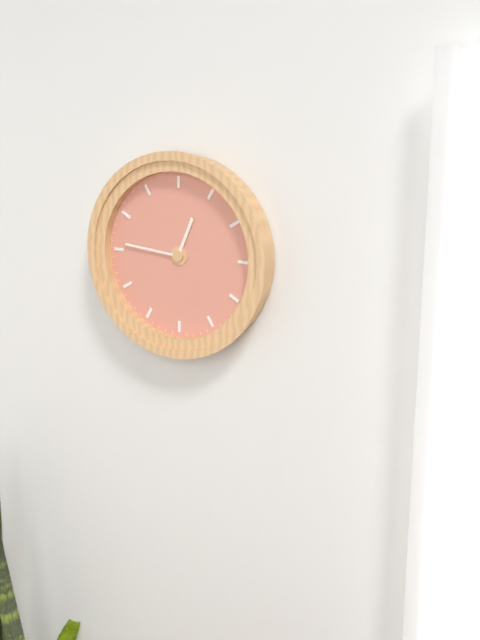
12h46
